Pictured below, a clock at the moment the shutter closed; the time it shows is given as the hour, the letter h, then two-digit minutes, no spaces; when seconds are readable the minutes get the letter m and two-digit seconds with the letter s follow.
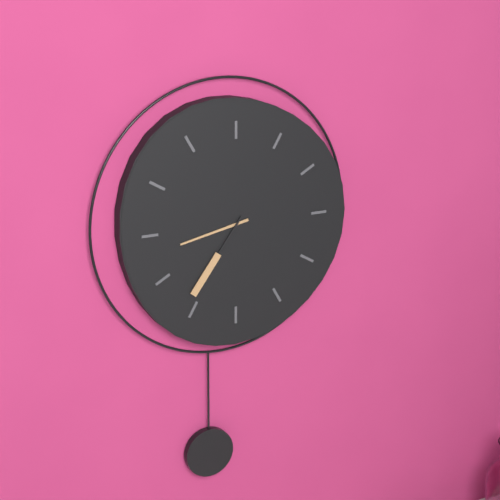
8h36
